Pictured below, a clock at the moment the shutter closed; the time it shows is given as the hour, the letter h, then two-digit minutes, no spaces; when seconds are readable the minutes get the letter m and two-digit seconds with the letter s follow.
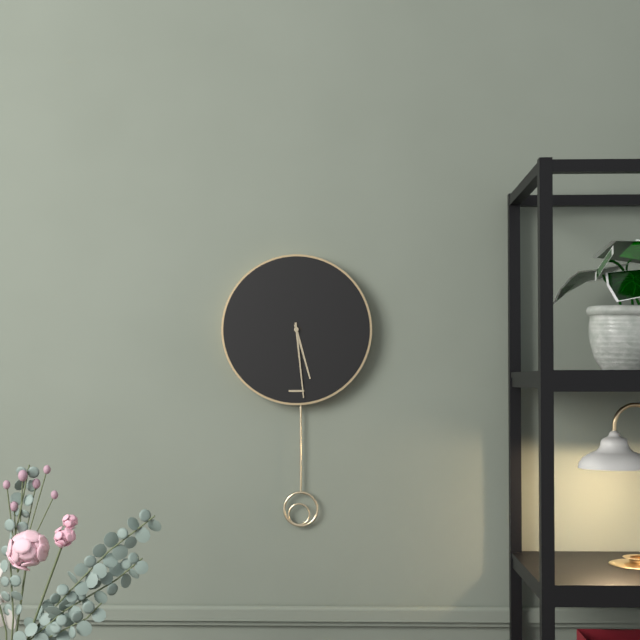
5h29
